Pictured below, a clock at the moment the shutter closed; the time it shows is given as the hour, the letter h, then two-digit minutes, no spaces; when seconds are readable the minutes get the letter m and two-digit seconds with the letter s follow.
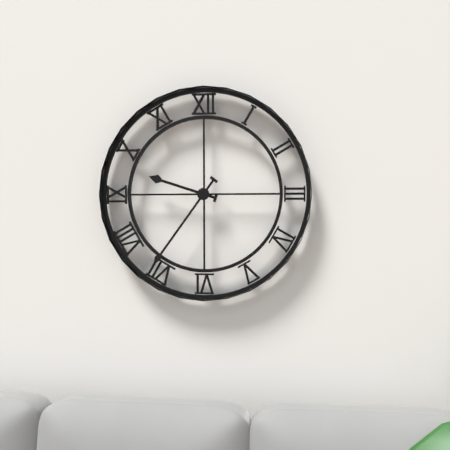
9h36
